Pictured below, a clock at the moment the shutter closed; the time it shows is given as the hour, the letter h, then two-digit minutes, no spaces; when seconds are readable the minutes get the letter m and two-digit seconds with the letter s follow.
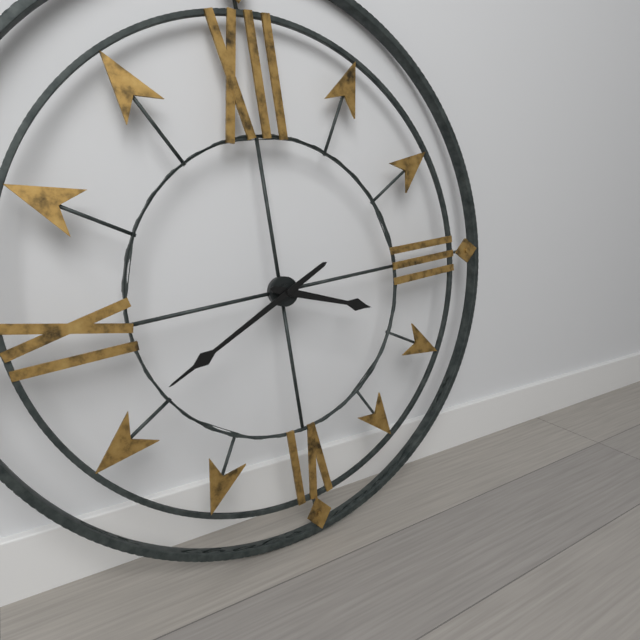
3h41
